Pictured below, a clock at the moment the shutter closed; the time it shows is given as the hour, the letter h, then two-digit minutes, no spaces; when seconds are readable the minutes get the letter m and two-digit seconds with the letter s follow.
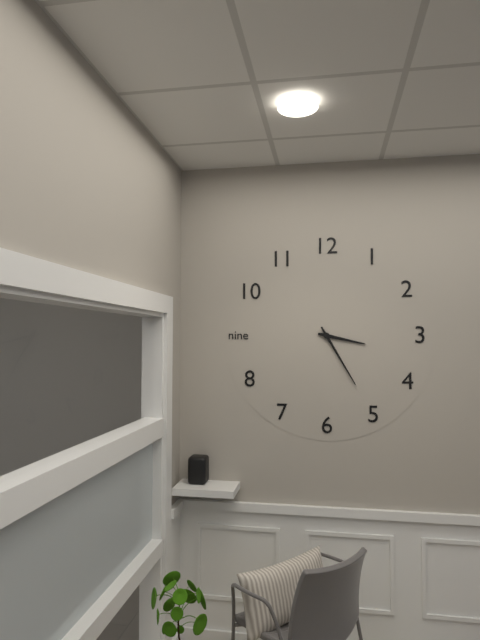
3h25
